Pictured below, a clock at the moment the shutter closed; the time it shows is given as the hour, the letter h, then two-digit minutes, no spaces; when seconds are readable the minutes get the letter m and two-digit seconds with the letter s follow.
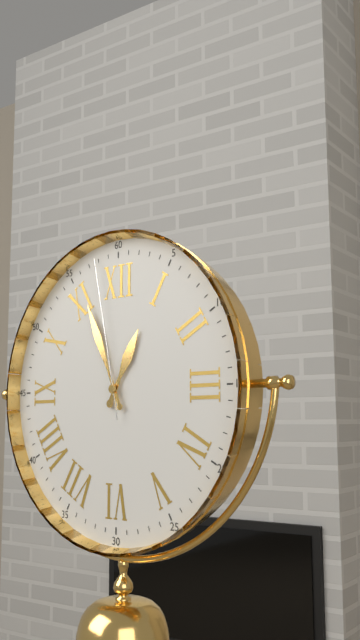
12h56m58s
